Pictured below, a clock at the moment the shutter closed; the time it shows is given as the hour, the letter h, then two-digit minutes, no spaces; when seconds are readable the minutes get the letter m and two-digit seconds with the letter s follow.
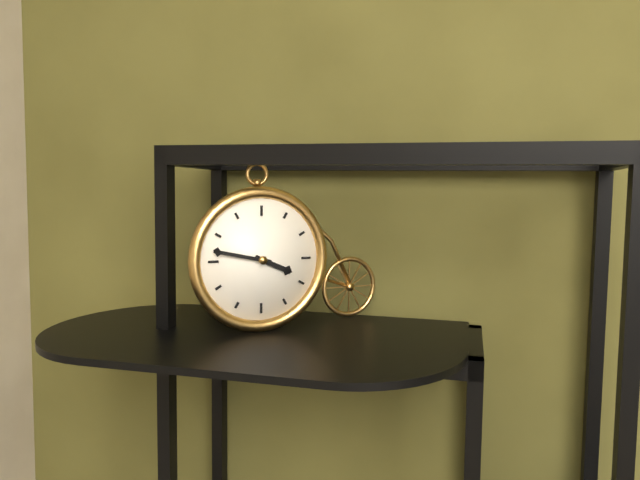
3h47
